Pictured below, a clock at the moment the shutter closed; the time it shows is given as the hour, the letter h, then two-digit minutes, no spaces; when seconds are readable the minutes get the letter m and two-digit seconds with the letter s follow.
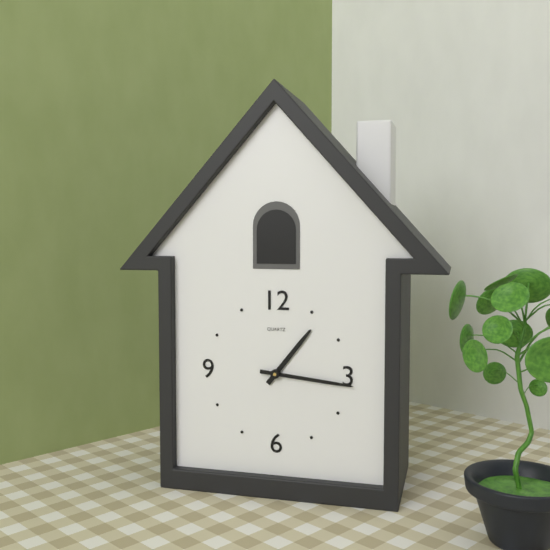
1h16
